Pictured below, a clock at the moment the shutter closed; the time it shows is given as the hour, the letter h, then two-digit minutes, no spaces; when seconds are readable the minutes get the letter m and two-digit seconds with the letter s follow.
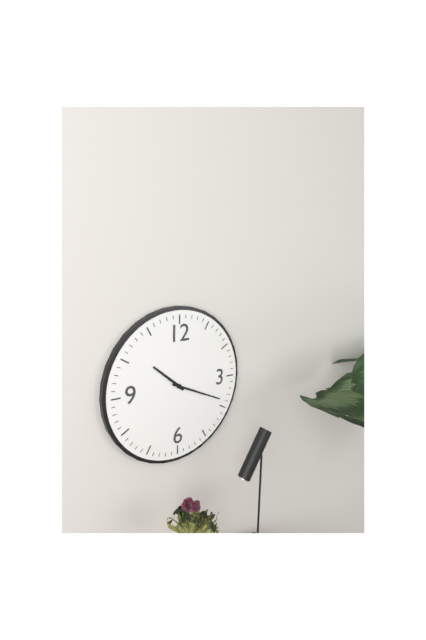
10h19
